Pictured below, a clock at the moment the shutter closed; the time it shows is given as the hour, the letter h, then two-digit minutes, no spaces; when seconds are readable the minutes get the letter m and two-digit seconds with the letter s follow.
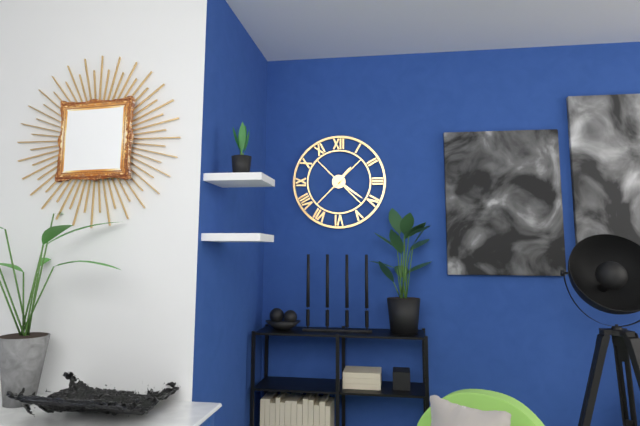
1h21
